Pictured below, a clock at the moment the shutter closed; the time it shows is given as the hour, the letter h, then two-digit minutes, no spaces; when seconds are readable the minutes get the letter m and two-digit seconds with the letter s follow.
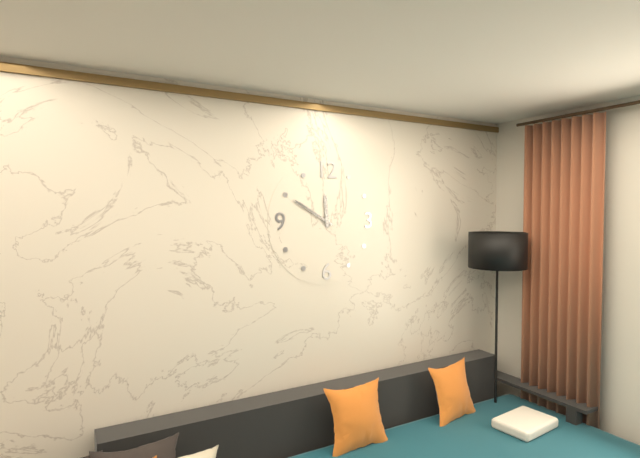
11h50
